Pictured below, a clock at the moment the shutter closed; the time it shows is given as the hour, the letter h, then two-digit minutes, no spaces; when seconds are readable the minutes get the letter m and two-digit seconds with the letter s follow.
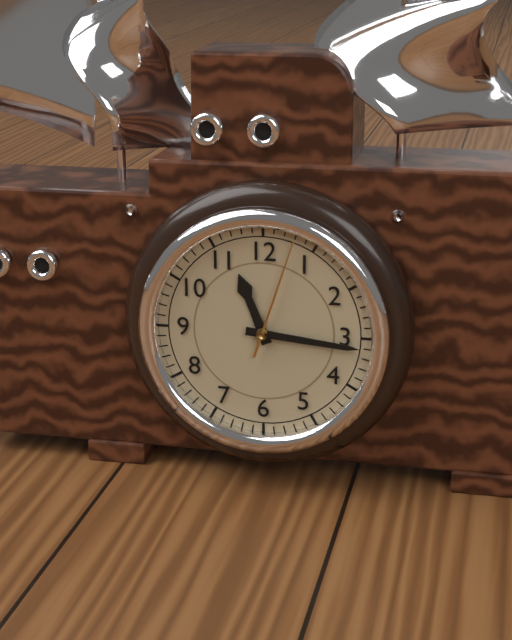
11h16m03s
